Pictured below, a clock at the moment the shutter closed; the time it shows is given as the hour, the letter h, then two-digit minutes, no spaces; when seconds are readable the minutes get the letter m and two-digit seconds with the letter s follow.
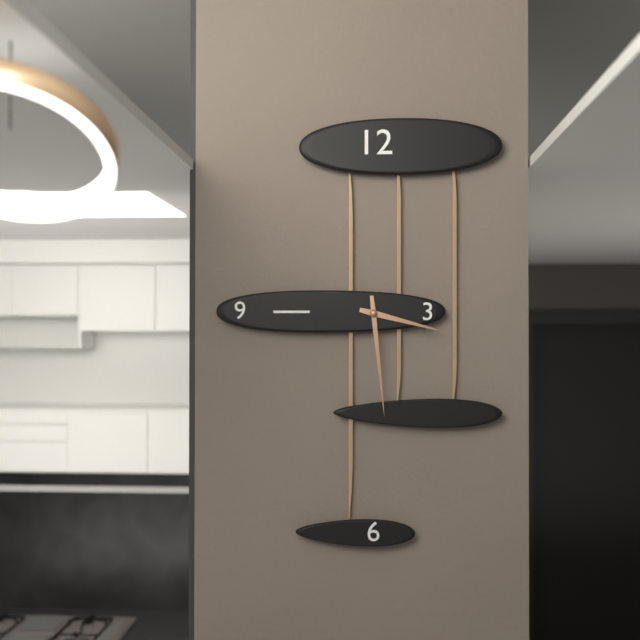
3h29
